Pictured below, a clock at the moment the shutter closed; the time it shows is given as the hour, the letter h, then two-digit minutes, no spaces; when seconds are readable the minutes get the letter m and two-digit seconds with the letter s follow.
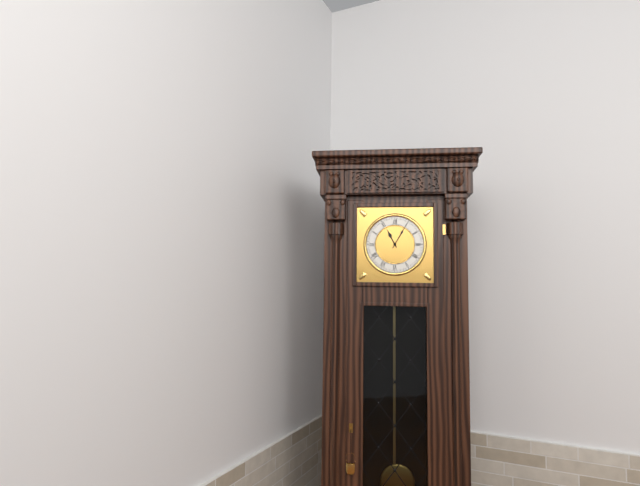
11h05
